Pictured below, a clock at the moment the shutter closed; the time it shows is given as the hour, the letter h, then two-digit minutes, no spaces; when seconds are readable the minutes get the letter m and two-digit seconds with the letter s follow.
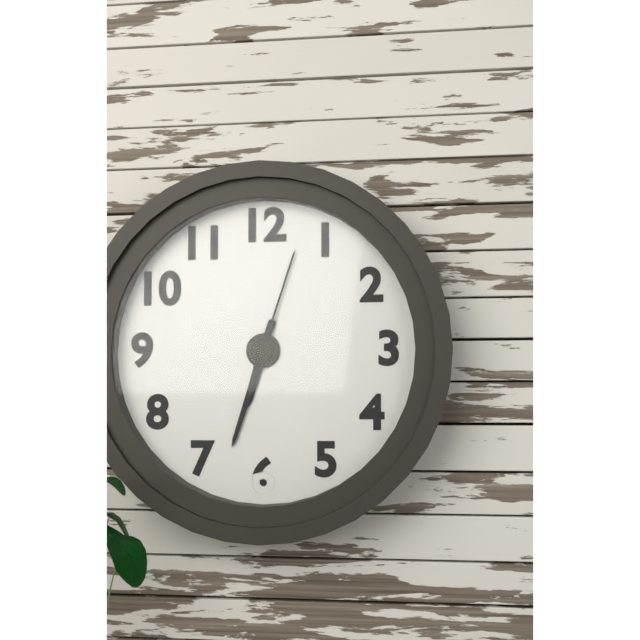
6h33m03s
